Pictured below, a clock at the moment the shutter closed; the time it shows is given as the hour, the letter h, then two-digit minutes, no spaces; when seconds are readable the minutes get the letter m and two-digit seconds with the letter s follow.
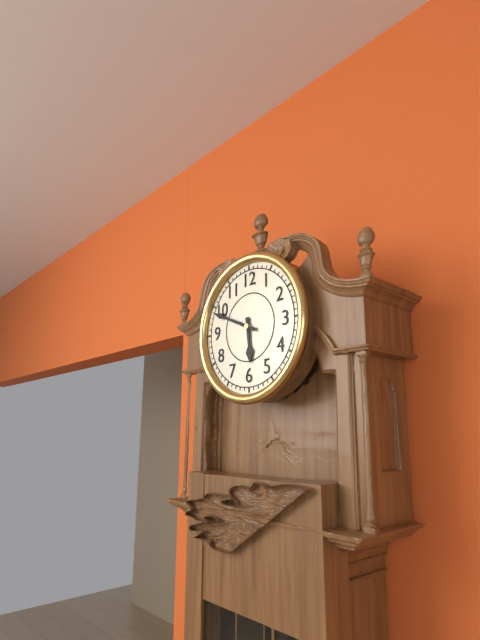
5h49
